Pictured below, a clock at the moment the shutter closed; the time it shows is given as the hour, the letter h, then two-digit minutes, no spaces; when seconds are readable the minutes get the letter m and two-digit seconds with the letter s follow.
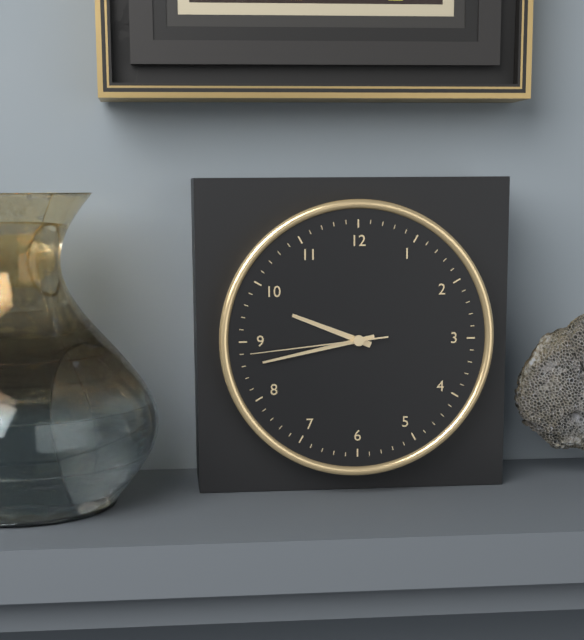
9h43m44s
